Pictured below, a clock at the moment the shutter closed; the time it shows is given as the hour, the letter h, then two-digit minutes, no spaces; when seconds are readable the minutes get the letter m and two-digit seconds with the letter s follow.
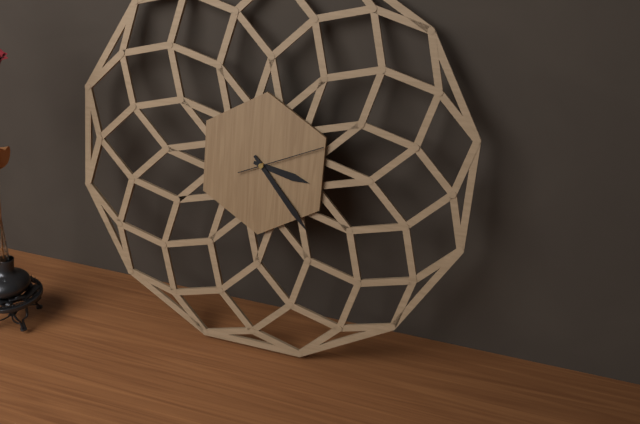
3h23m11s
